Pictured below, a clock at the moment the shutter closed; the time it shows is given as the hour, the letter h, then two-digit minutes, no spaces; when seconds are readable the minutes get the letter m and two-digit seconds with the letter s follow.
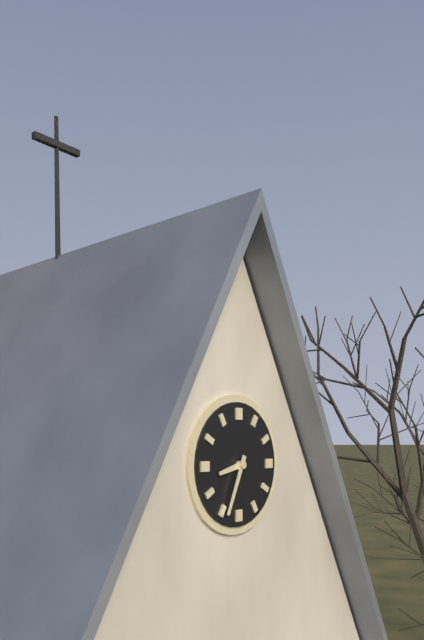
8h34
